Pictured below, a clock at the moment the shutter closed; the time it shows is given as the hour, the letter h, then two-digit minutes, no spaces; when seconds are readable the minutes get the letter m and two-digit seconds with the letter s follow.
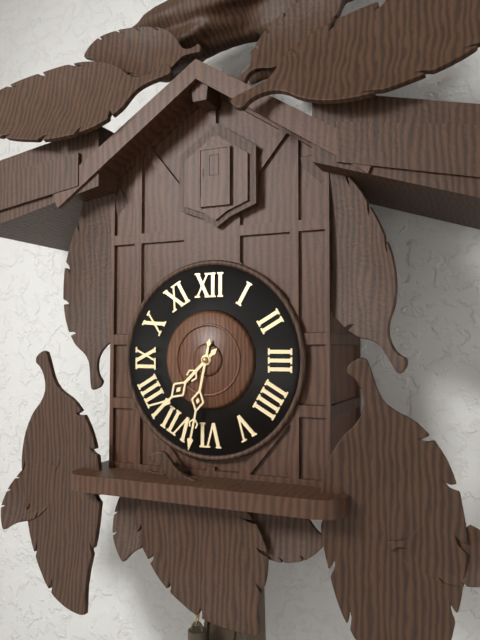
7h32
